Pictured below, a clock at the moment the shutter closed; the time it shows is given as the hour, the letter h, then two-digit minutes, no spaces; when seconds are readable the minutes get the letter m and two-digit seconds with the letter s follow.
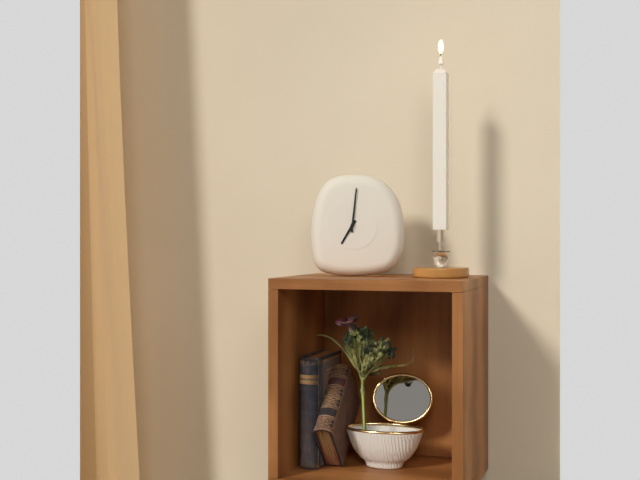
7h01
